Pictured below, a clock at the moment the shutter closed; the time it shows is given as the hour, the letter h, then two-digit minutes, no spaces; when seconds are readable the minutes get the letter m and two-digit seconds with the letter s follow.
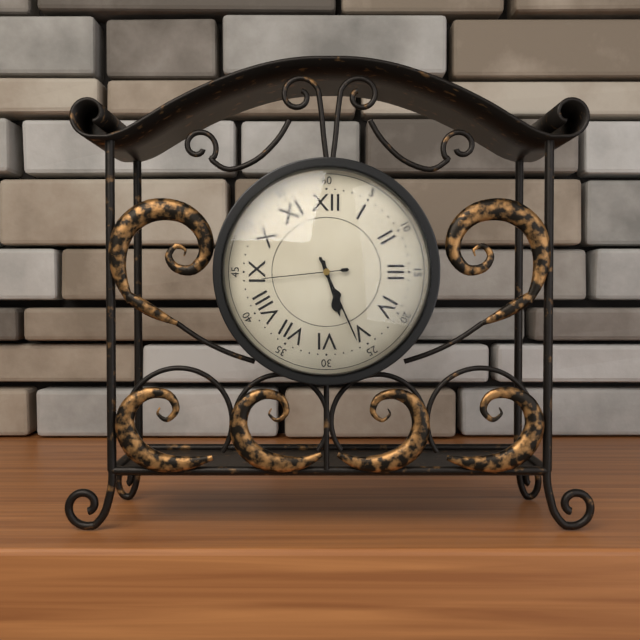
5h26m44s
